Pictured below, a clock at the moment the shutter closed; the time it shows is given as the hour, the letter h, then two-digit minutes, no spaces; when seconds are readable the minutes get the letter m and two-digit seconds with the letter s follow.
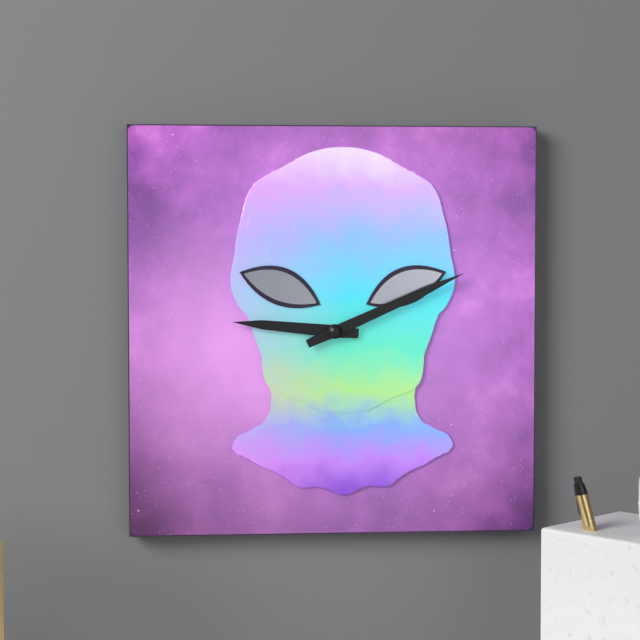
9h11
